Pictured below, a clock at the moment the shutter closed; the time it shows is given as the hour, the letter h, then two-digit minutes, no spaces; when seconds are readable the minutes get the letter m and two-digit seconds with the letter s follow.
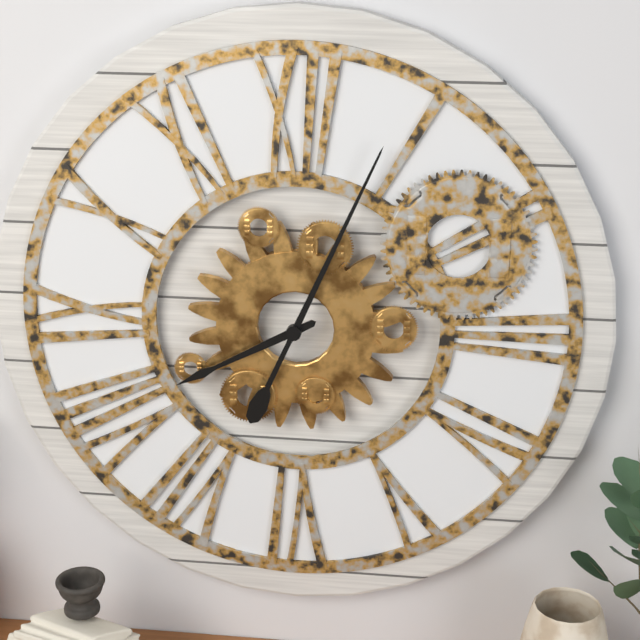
8h04
